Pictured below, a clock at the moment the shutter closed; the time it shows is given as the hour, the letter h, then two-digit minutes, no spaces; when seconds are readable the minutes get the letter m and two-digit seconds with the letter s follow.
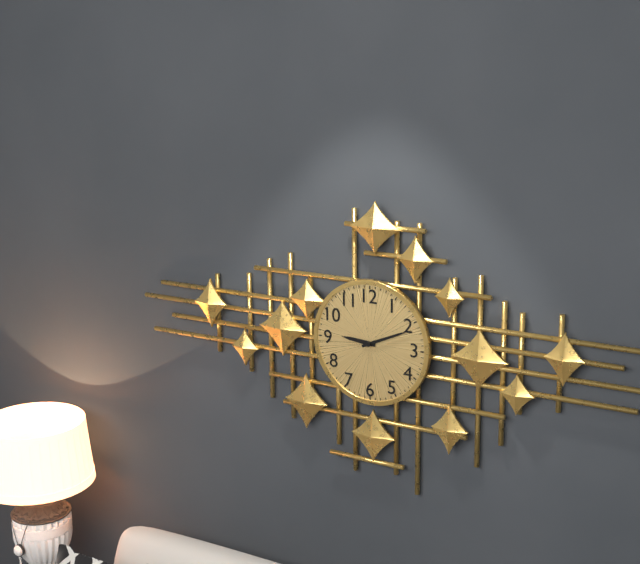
9h11
